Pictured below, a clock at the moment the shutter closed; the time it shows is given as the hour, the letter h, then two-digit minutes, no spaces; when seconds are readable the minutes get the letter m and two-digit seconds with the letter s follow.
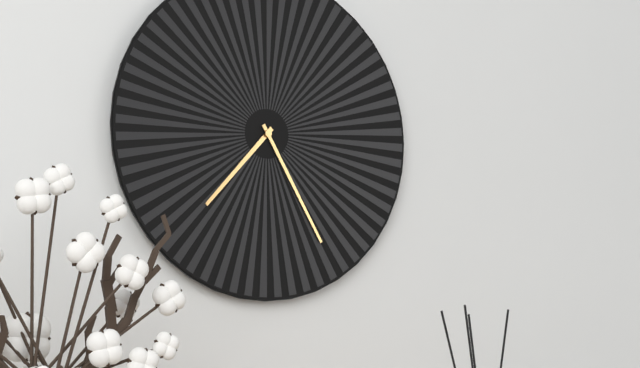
7h25
